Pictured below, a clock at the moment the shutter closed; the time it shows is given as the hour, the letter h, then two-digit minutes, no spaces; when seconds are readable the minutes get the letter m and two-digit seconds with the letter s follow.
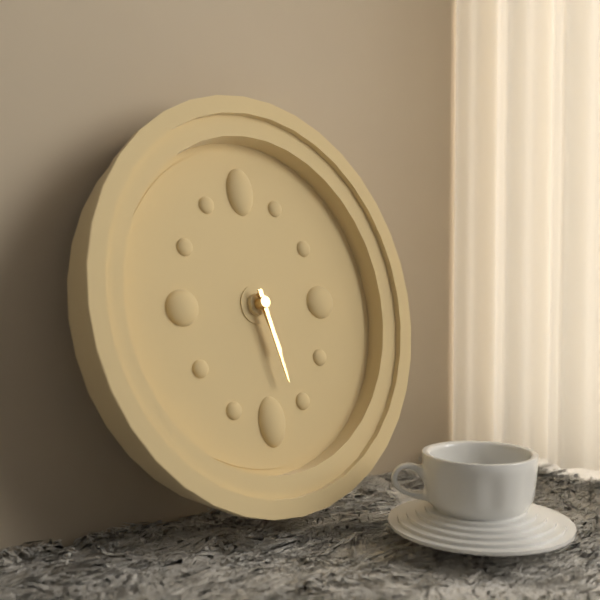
5h28
